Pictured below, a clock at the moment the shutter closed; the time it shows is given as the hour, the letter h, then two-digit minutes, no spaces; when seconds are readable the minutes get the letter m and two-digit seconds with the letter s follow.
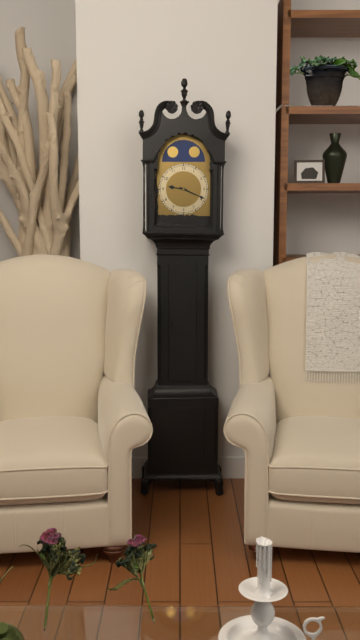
9h19
